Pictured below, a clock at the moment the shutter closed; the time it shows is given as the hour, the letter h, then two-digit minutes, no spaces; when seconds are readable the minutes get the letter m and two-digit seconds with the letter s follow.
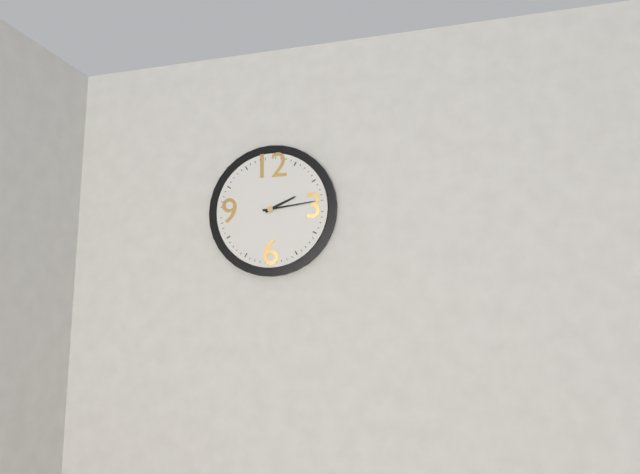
2h14
